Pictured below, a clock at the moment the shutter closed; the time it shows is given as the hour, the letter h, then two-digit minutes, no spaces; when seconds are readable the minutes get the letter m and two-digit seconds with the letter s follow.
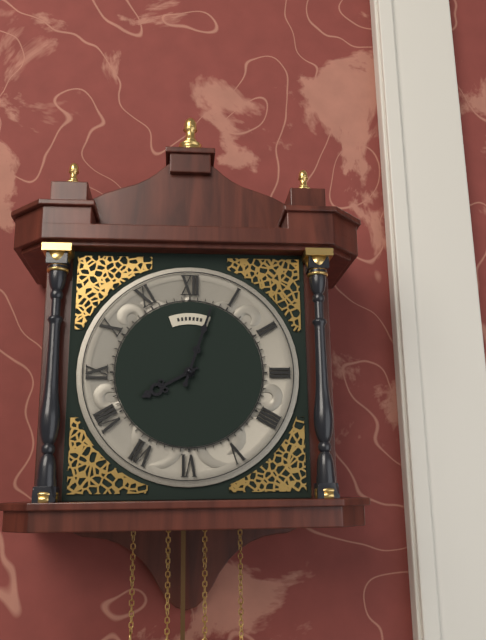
8h03
